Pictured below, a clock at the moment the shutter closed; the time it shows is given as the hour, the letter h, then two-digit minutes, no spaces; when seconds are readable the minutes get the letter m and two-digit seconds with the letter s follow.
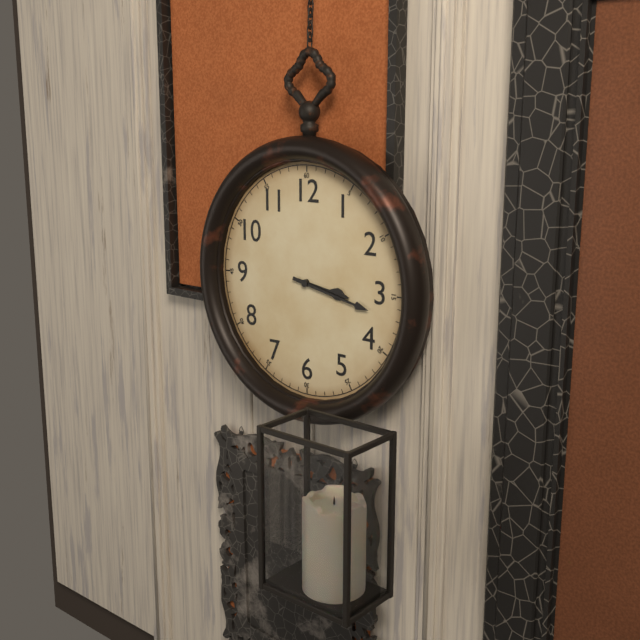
3h17
